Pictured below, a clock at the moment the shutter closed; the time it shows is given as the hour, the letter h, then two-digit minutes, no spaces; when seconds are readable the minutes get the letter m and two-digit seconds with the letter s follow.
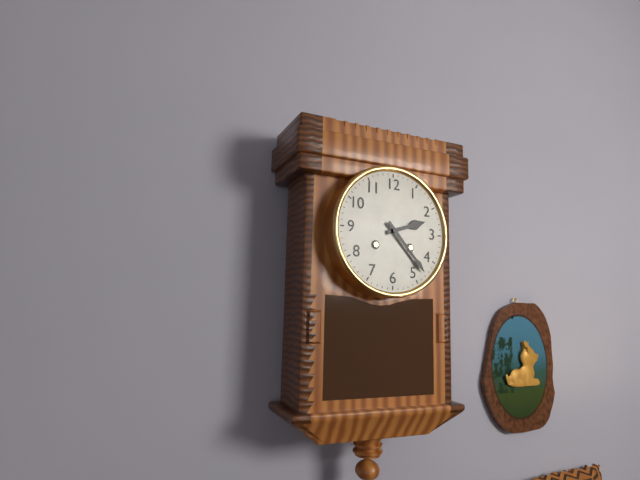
2h23
